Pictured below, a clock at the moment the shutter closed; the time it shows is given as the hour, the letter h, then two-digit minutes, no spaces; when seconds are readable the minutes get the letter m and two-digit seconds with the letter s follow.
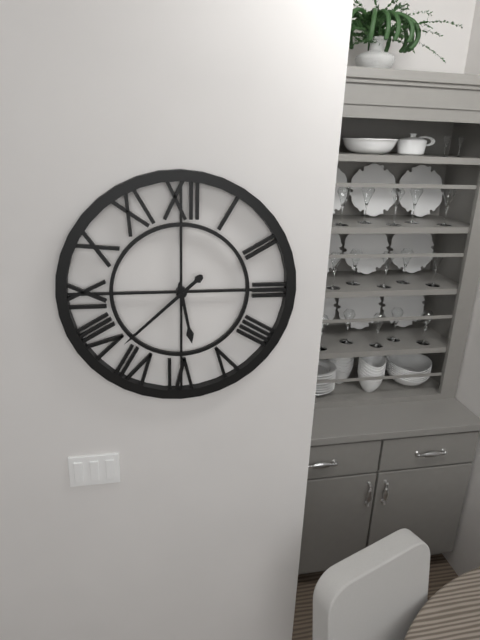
5h38
